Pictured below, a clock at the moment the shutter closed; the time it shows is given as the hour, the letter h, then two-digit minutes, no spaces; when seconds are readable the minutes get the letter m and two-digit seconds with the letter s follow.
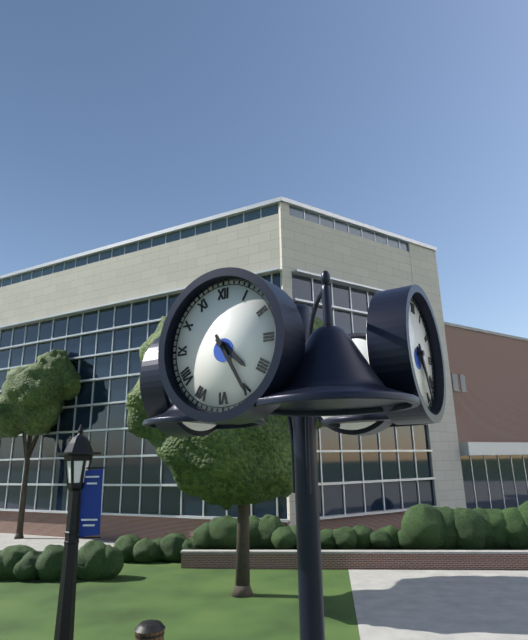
4h25
